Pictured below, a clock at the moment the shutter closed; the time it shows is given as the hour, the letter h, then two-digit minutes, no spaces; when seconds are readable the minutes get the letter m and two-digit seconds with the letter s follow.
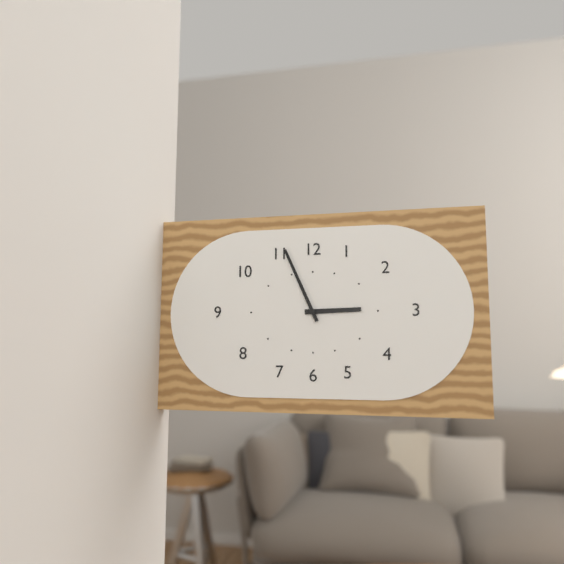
2h56
